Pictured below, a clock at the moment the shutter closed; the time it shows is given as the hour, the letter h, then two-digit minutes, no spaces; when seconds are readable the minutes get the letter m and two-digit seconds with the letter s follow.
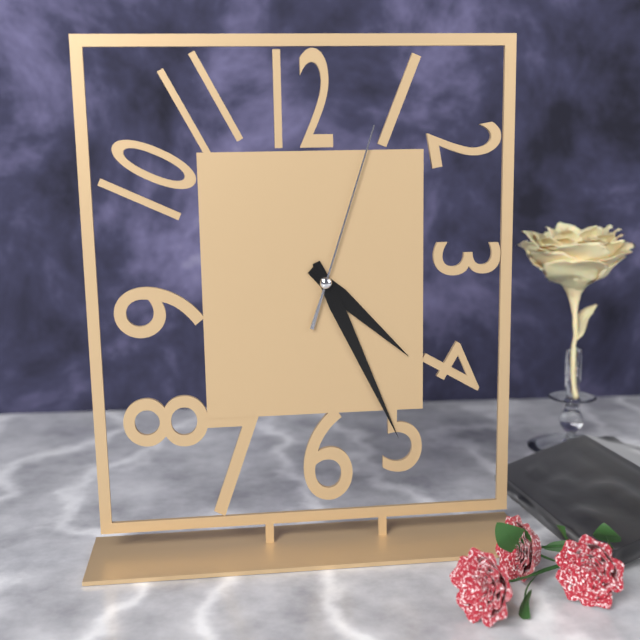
4h26m03s
